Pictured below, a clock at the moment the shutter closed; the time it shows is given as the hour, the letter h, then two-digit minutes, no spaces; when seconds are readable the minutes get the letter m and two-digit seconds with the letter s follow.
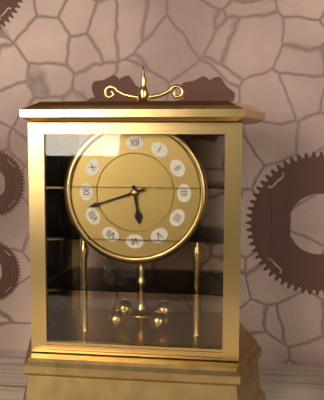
5h42
